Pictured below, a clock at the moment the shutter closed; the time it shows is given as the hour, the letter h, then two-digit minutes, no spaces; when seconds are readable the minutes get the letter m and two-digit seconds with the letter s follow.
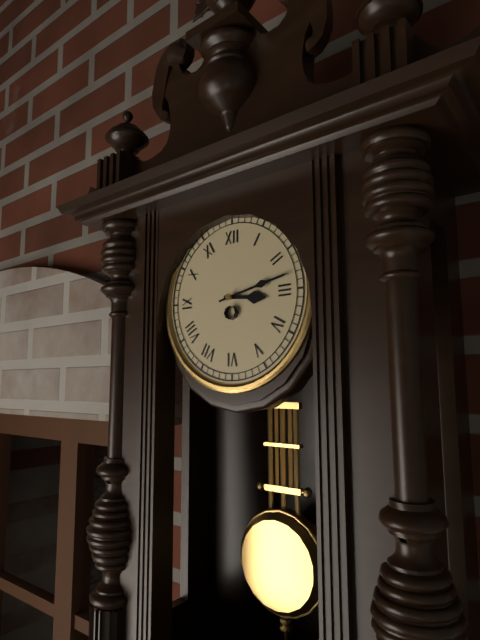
3h13
